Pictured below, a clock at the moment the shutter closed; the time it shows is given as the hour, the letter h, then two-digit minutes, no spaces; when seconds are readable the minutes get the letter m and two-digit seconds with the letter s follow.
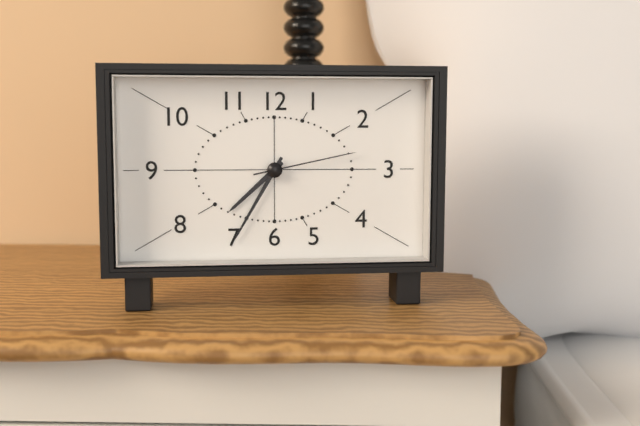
7h35m13s
